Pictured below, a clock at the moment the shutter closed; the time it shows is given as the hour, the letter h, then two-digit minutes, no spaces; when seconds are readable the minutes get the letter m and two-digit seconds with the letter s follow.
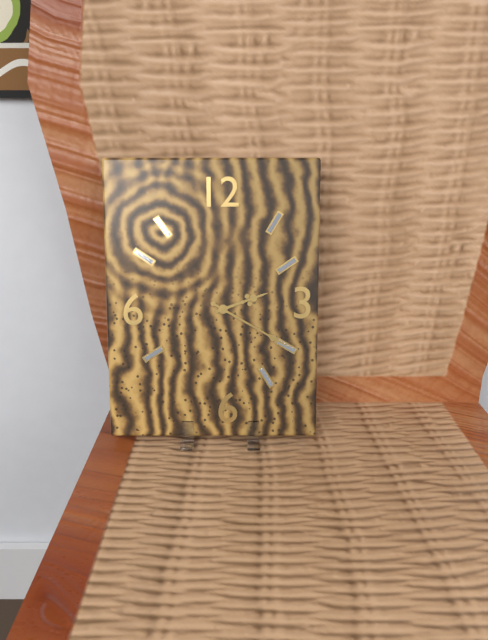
2h20
